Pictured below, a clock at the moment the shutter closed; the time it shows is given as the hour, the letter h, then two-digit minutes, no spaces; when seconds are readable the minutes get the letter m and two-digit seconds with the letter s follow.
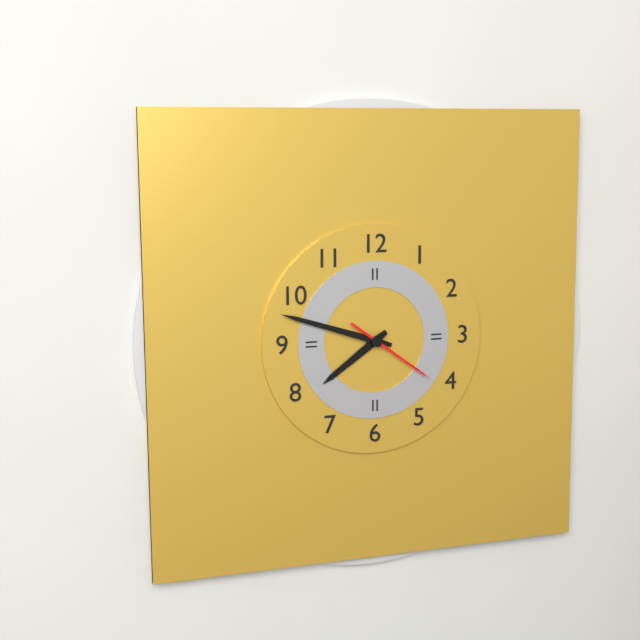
7h48m21s
